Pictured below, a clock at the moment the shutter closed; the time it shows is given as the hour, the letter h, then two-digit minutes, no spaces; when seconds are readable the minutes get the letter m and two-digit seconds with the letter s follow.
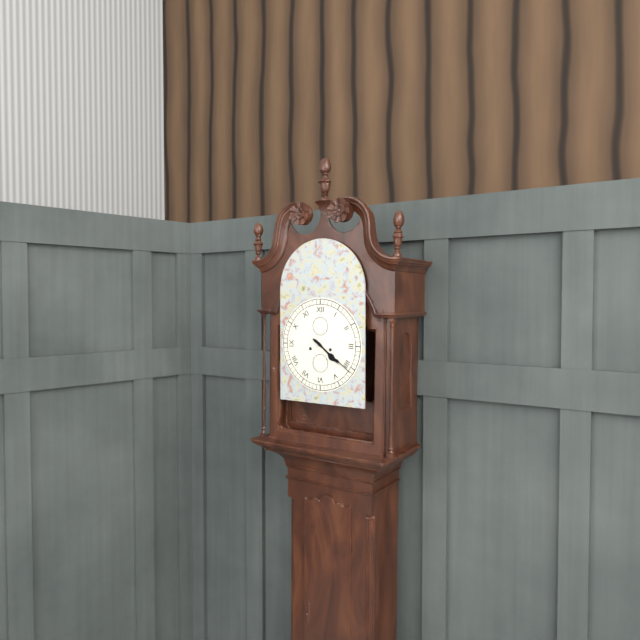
4h21
